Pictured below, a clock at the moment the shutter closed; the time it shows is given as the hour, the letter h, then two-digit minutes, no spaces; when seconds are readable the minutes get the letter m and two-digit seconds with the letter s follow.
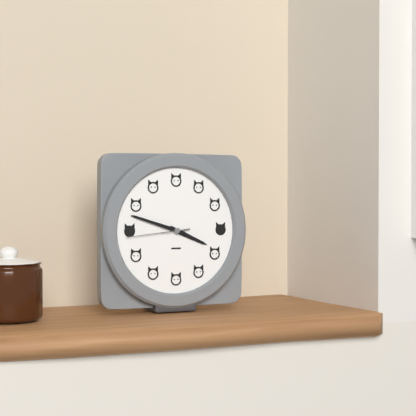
3h48m44s
